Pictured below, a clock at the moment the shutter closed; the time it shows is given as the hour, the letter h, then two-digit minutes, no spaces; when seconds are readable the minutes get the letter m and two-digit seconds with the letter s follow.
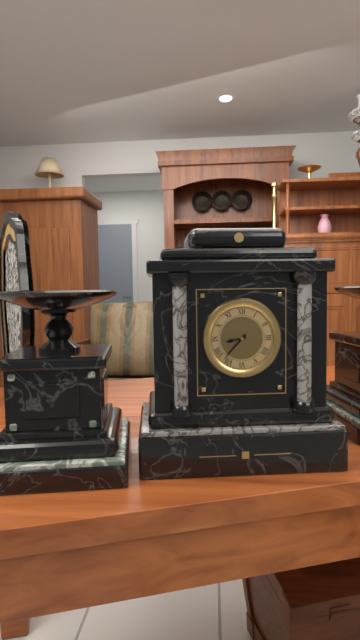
8h37
